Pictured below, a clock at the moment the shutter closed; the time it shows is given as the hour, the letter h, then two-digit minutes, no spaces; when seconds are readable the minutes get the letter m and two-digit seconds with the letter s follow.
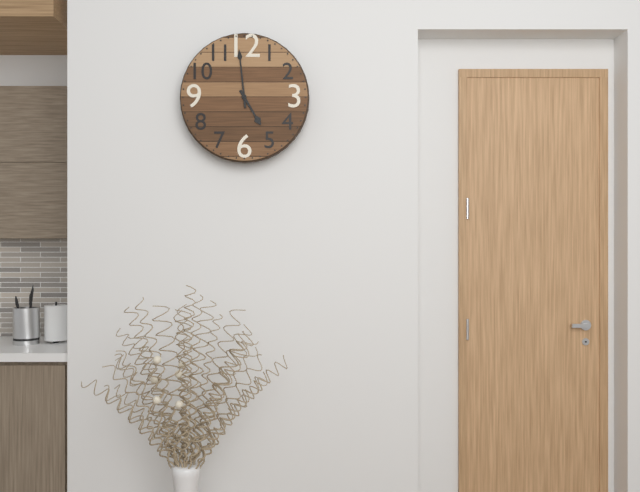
4h59
